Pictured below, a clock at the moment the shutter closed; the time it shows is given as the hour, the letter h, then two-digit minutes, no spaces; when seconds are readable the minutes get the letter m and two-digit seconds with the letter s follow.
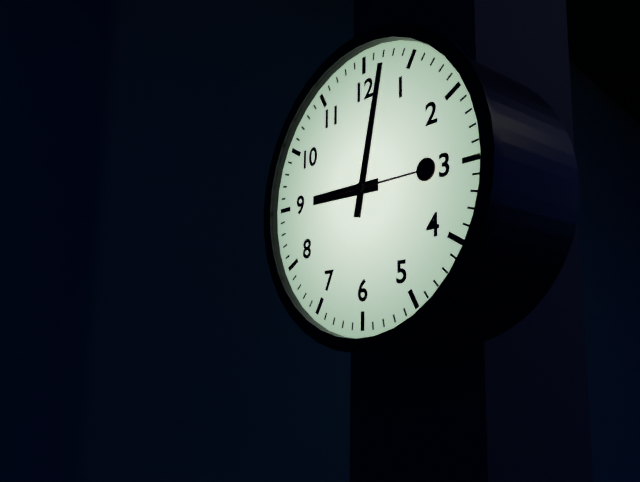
9h02m15s
